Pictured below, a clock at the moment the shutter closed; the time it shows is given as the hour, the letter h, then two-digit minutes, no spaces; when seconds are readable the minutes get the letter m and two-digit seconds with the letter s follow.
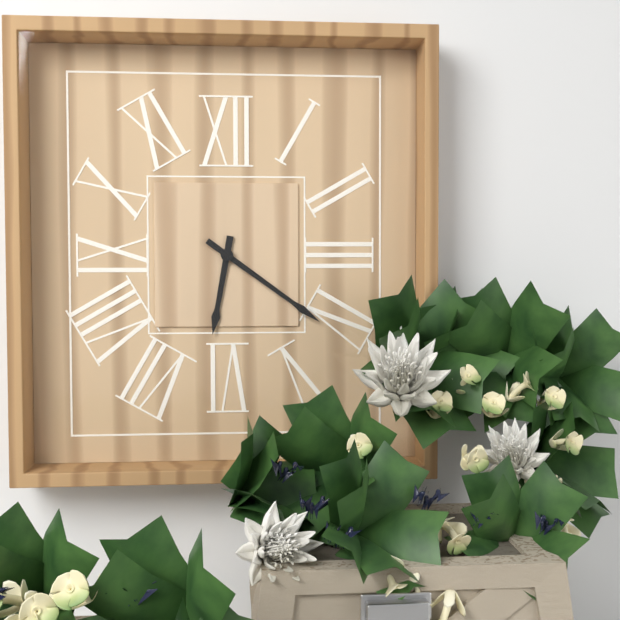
6h21
